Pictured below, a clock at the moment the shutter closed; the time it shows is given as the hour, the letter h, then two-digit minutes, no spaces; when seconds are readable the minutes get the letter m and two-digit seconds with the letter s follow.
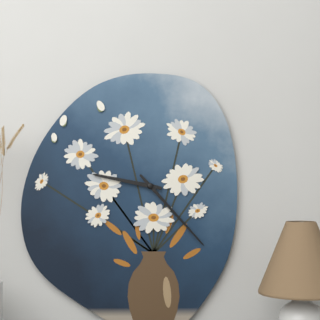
9h23
